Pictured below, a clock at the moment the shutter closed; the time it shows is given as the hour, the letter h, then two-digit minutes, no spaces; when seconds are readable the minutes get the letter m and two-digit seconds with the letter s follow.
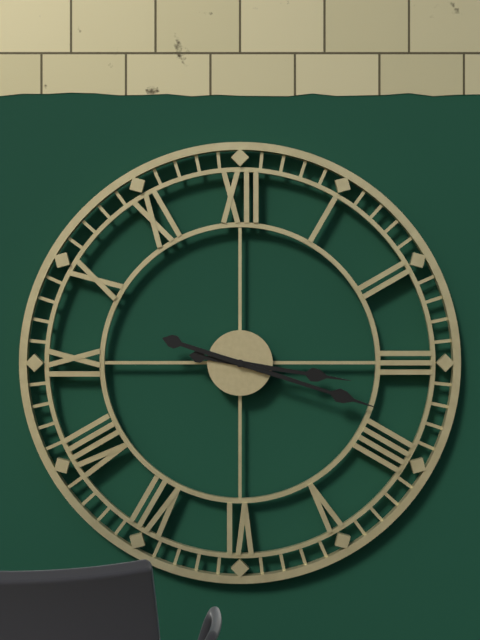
3h18
